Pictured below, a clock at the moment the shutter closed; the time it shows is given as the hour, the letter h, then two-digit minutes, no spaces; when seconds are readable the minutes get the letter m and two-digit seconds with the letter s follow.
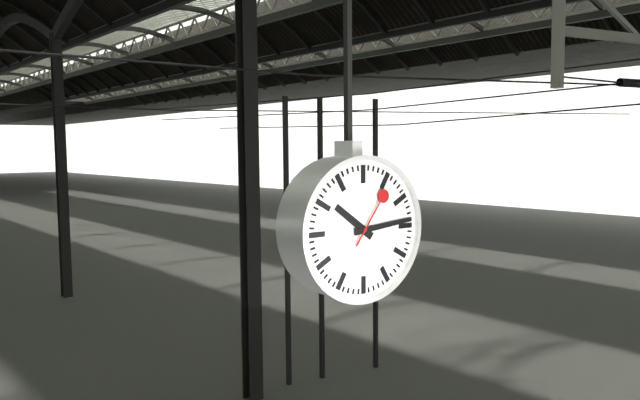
10h14m06s
